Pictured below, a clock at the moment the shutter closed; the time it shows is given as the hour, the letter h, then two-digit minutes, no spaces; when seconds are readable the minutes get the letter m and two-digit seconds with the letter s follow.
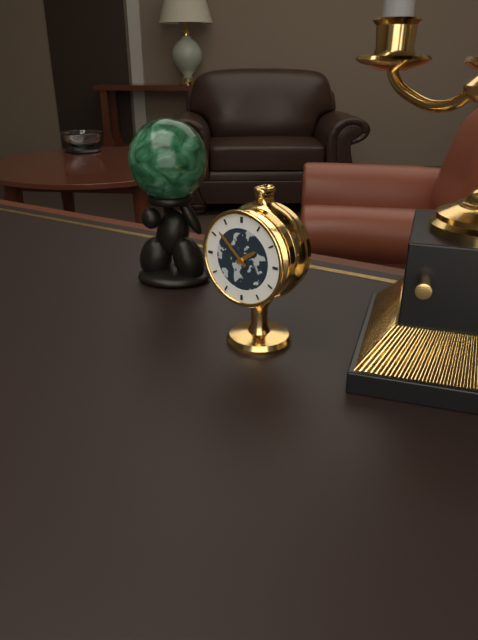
1h52
